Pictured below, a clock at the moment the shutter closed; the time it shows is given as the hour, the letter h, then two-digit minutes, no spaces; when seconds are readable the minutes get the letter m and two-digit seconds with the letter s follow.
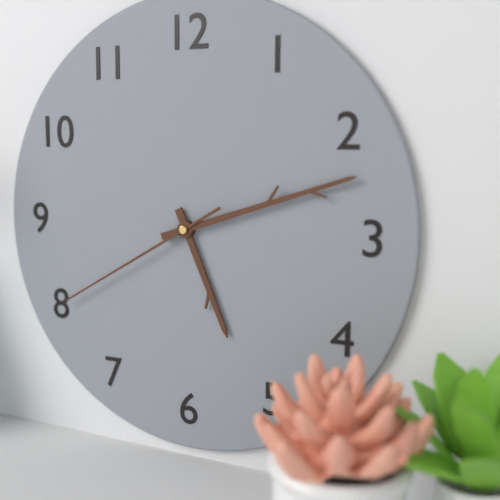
5h12m40s
